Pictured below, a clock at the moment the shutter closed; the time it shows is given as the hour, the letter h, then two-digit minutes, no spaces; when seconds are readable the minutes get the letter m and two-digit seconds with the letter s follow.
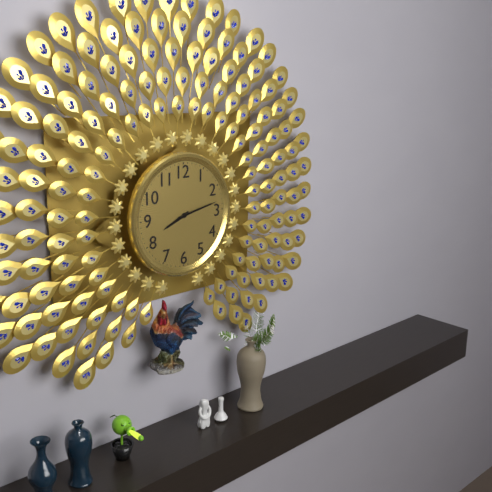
8h13
